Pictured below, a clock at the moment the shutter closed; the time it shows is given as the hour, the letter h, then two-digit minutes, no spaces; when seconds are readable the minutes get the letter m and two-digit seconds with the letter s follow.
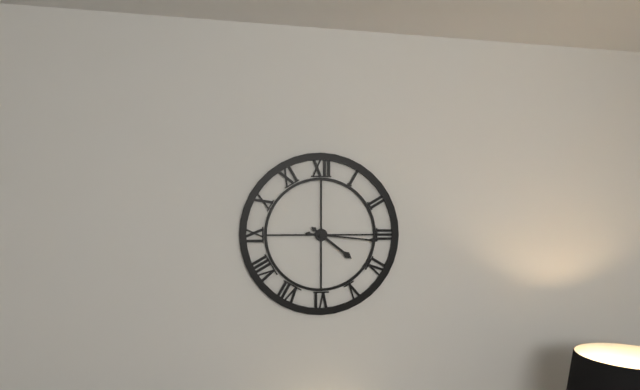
4h16
